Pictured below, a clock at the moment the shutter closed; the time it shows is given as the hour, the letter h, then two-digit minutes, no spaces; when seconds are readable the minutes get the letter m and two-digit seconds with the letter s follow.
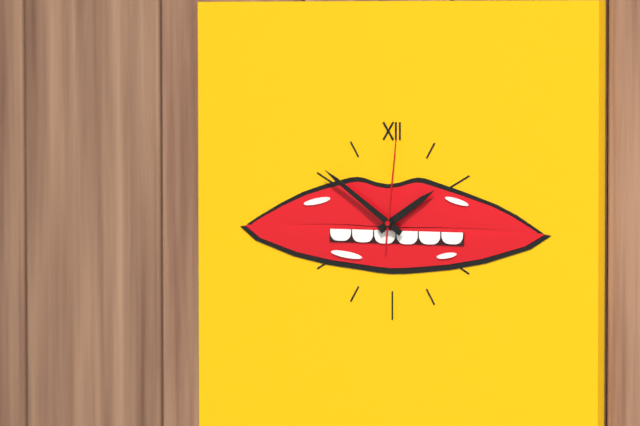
1h51m01s
